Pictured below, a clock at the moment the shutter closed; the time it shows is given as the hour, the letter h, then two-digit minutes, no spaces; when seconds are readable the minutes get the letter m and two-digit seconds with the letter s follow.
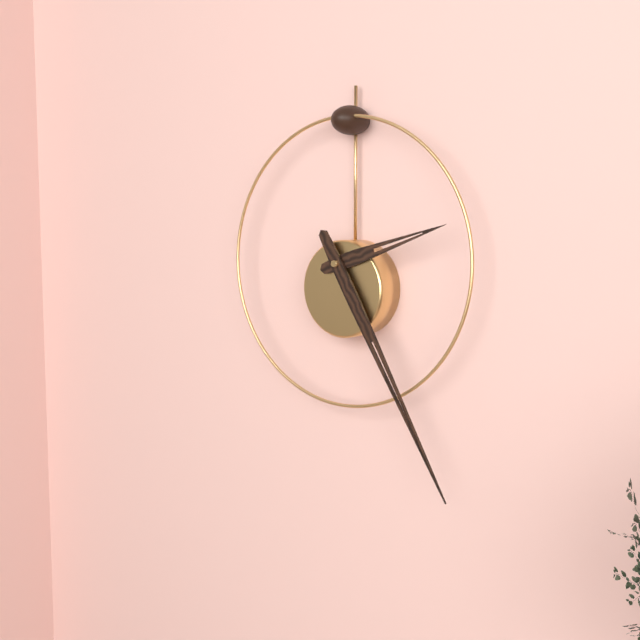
2h25
